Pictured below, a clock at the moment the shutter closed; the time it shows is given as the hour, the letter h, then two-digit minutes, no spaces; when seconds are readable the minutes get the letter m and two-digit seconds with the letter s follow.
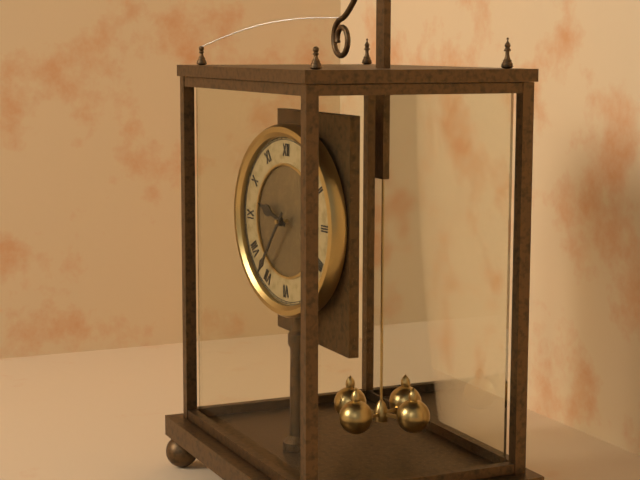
9h36
